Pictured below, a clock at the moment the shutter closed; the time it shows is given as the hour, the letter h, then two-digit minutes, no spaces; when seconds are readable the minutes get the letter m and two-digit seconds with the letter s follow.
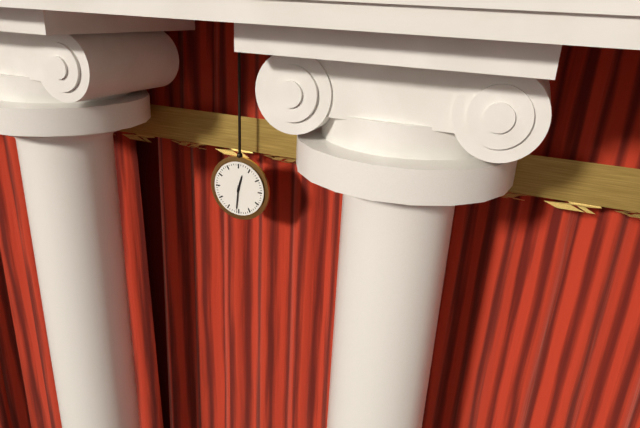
12h31
